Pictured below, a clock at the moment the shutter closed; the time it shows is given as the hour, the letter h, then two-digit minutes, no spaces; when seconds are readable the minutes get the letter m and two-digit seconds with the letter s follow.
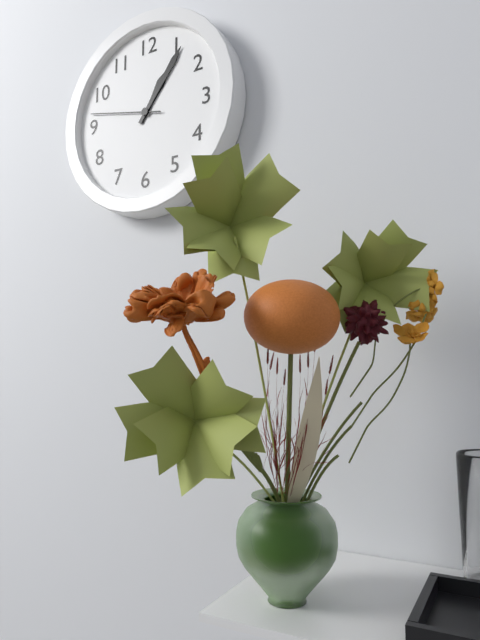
1h06m47s
